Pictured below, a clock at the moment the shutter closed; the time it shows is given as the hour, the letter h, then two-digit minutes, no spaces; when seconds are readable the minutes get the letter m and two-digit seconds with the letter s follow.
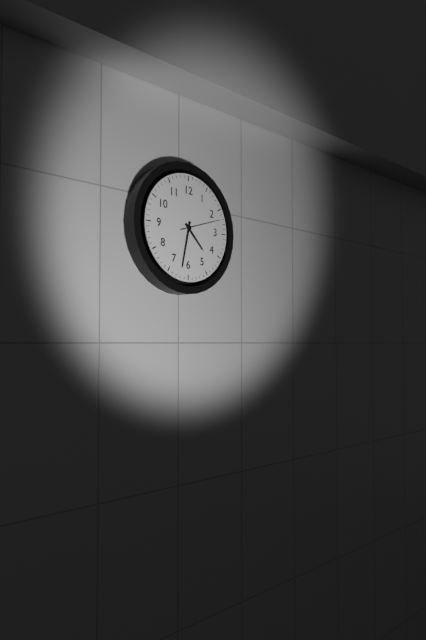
4h32
